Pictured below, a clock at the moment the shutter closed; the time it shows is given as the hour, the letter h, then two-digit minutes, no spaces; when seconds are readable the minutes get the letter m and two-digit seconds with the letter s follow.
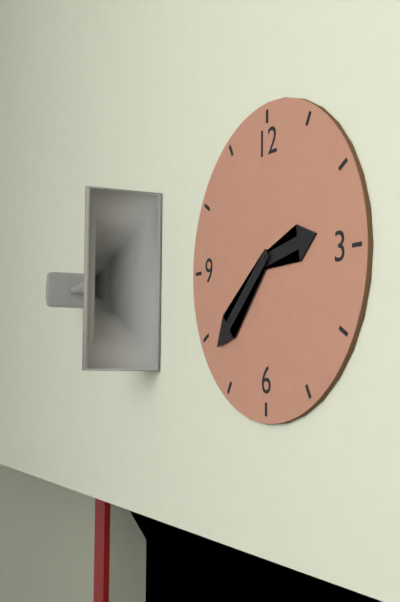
2h38
